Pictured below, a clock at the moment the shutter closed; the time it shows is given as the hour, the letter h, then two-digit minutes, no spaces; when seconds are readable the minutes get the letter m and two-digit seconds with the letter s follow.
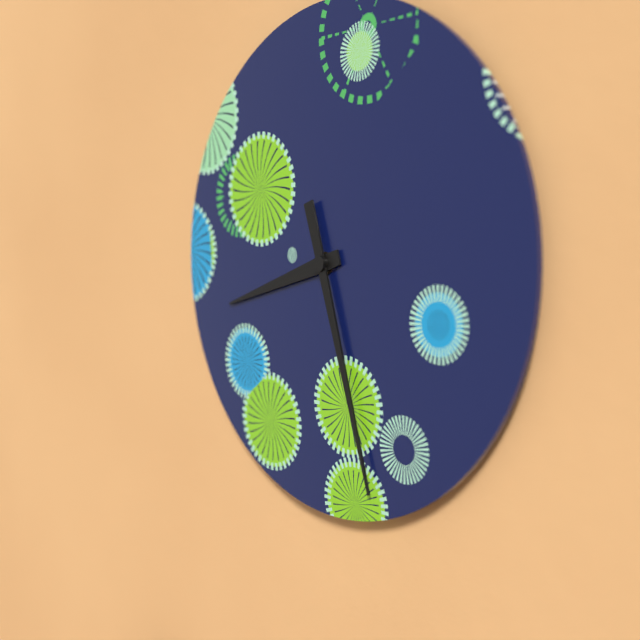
8h27
